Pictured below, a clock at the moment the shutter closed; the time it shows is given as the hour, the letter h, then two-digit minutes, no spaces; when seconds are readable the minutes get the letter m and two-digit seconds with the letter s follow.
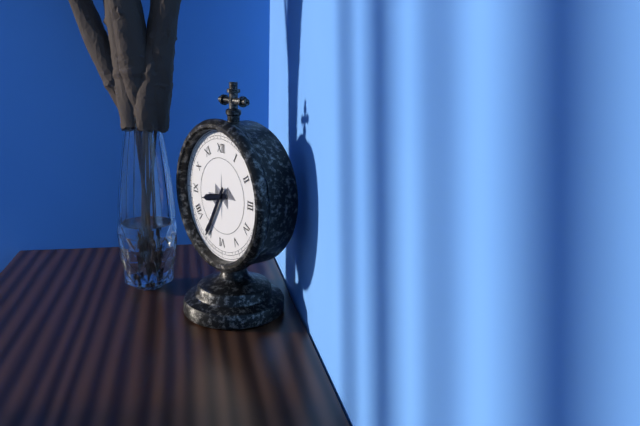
8h35
